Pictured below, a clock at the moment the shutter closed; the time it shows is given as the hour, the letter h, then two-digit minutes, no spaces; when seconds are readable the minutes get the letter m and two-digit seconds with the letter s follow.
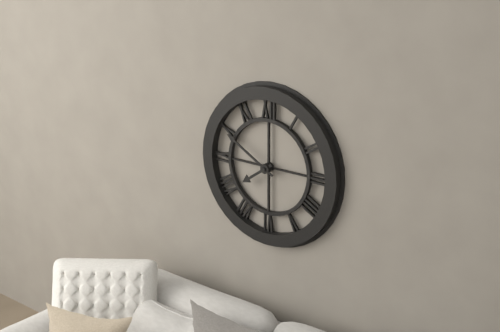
7h50
